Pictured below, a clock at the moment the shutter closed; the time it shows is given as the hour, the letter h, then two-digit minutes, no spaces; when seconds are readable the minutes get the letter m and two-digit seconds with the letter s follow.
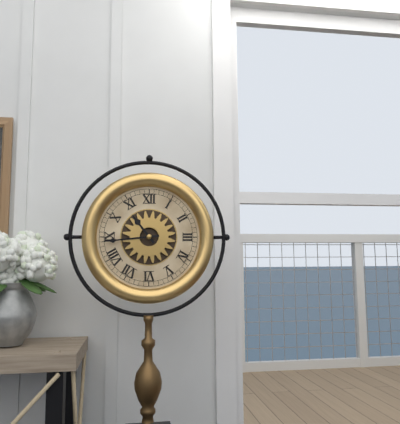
10h44
